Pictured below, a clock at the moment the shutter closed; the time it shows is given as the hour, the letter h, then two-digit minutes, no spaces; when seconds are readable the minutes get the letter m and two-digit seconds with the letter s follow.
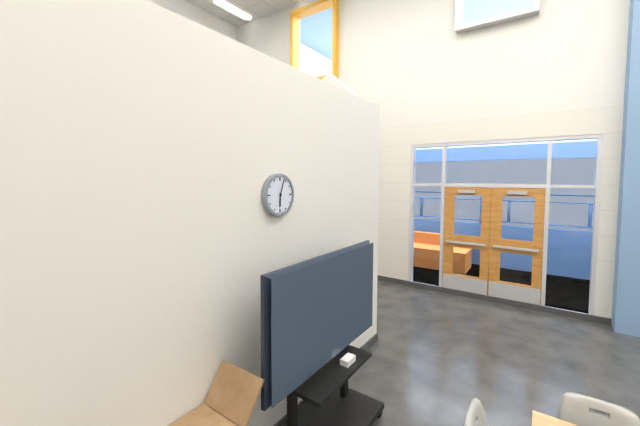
6h03
